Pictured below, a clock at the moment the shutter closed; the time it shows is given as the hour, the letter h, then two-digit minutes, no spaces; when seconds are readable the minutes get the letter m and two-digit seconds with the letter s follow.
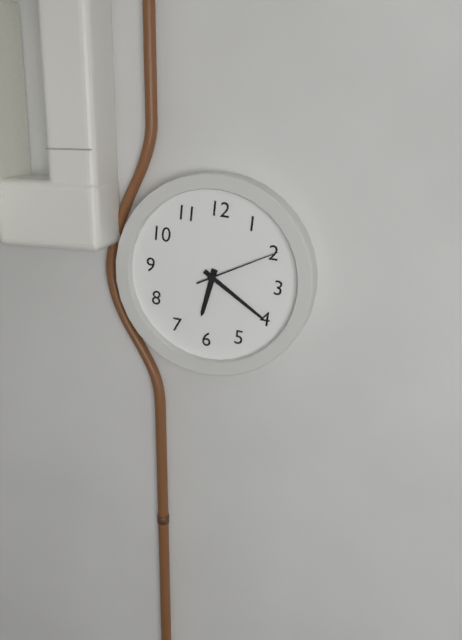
6h20m10s
